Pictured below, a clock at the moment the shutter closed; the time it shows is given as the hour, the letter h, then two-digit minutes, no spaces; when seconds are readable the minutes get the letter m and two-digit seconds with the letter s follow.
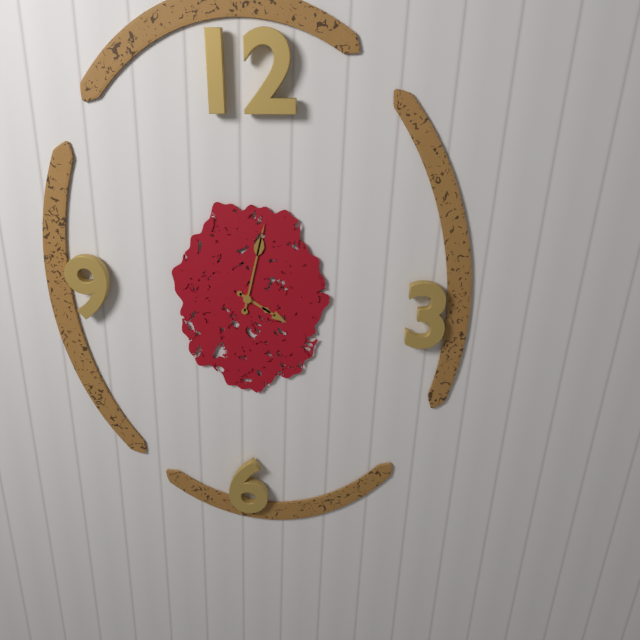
4h02
